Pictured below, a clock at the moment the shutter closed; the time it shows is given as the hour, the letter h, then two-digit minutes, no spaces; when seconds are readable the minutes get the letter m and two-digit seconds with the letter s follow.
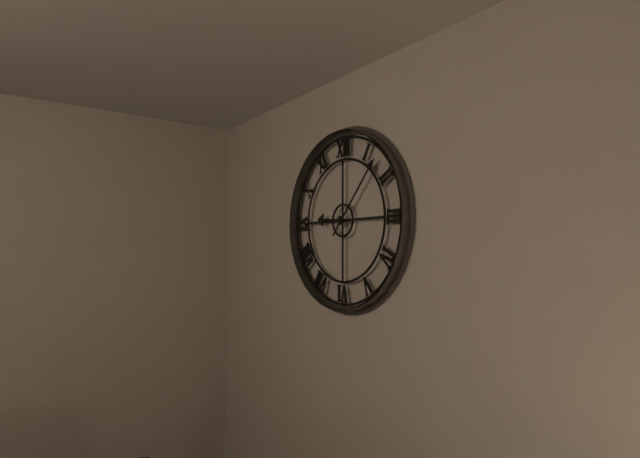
9h07
